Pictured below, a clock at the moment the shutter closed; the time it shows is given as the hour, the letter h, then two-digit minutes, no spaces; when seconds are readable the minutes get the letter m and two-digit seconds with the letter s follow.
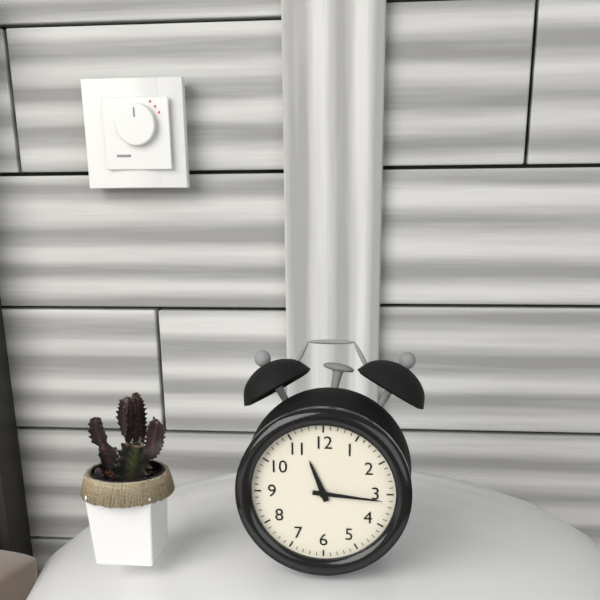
11h16
